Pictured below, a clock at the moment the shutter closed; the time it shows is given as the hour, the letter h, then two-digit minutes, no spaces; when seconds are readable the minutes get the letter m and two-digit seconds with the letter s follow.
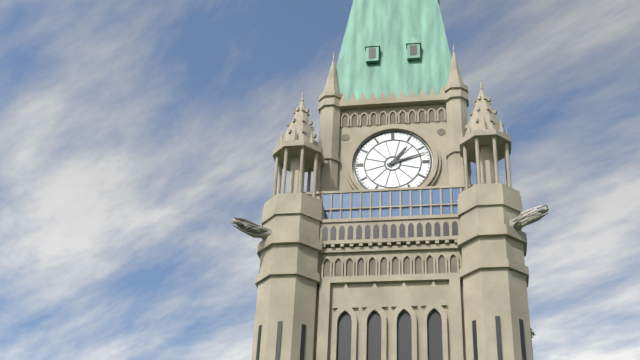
1h12
